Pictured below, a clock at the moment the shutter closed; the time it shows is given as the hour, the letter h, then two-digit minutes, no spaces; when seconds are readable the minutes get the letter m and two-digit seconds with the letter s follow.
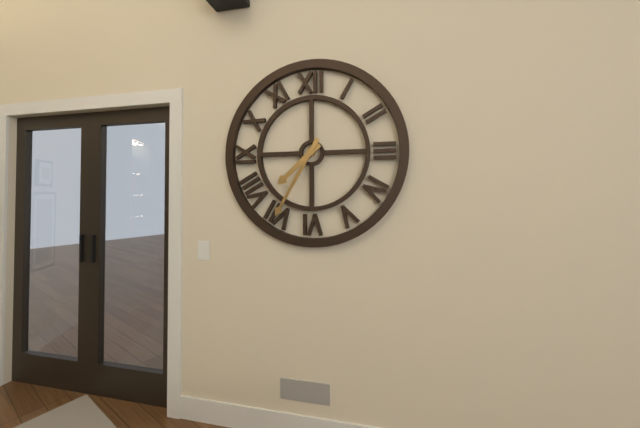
7h35
